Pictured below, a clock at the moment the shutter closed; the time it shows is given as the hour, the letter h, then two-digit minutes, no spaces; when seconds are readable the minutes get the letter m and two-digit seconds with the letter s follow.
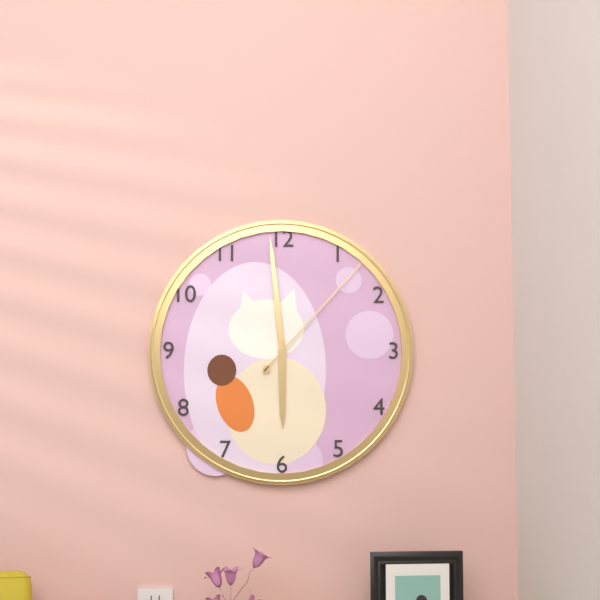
5h59m07s
